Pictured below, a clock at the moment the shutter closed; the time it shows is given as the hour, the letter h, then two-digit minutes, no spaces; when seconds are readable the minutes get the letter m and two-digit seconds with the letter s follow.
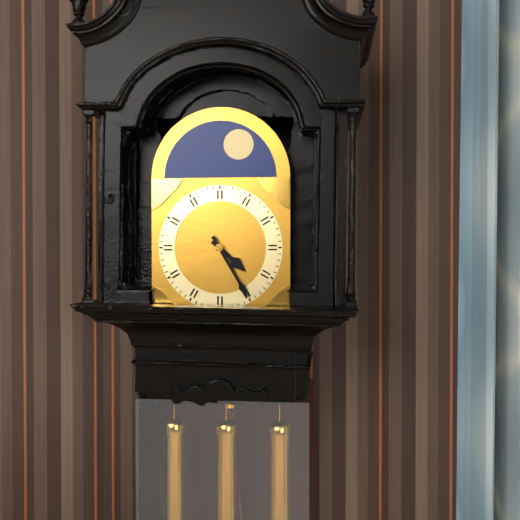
4h25
